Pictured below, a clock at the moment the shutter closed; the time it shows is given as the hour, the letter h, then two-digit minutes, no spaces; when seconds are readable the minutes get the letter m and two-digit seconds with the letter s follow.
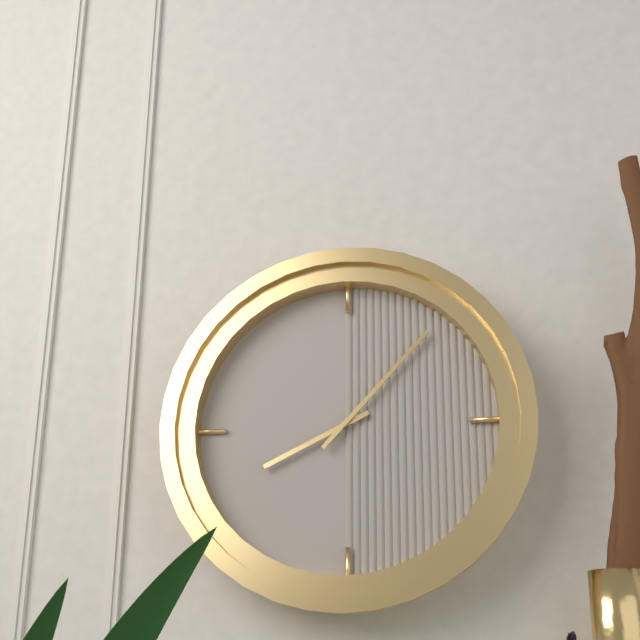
8h07
